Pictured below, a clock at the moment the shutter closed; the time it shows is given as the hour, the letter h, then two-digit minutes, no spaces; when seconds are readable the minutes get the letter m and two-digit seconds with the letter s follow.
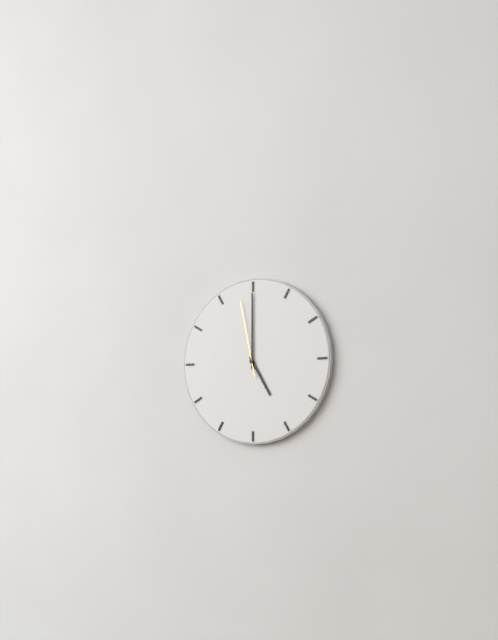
5h00m58s
